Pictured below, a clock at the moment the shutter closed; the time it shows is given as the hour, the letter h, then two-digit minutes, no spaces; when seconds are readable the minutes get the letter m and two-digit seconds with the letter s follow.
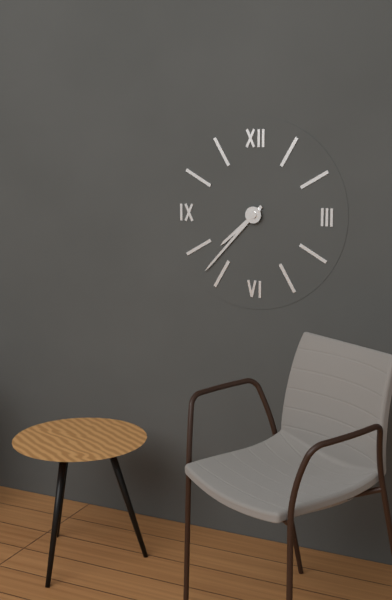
7h37
